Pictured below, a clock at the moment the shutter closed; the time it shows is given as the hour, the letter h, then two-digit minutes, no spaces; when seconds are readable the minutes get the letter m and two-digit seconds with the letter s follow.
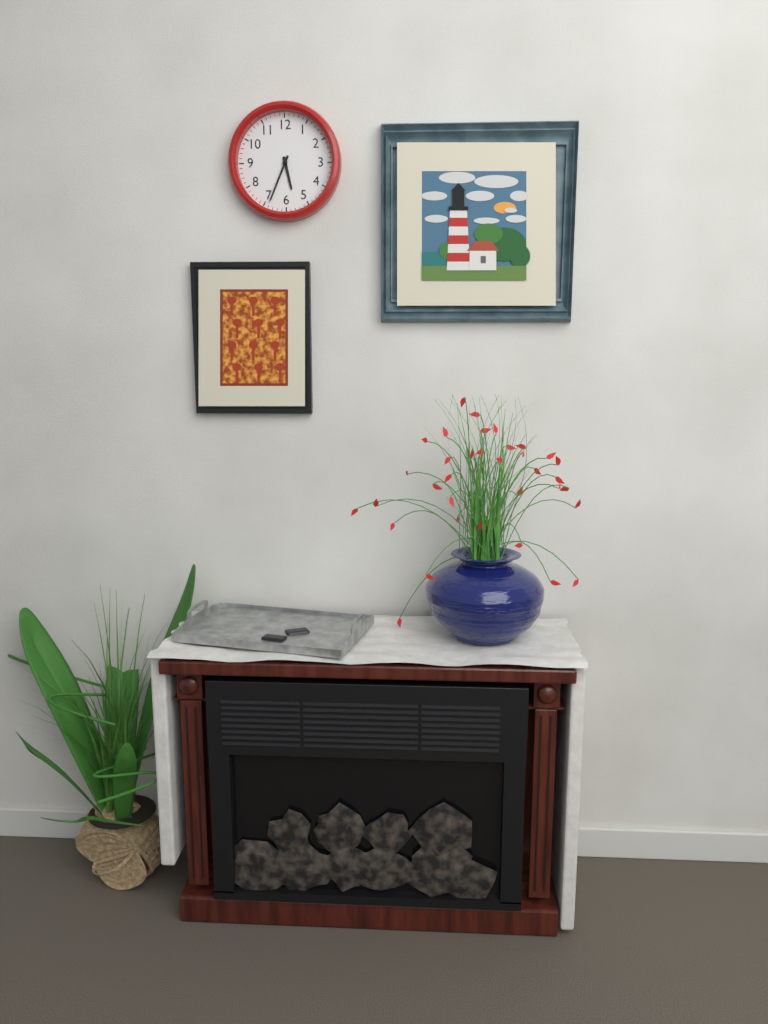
5h34
